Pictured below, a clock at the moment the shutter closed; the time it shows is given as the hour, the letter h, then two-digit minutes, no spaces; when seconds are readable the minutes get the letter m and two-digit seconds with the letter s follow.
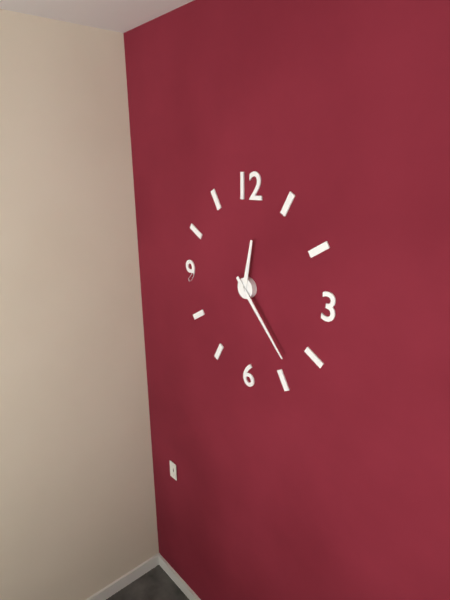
12h23
